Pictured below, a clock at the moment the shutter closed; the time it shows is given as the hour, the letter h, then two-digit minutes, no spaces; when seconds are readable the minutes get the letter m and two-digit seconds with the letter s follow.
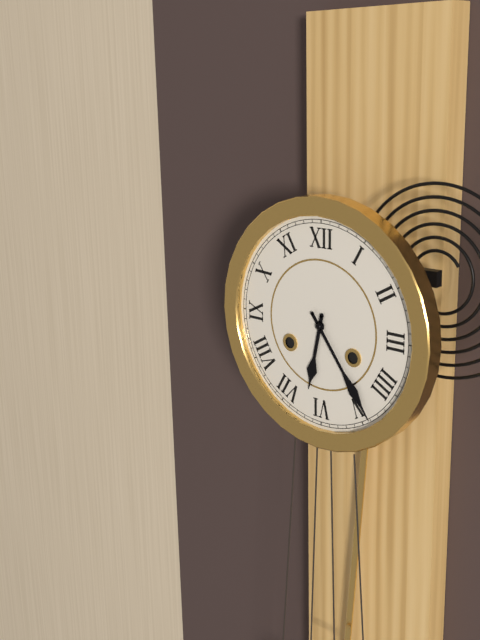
6h24
